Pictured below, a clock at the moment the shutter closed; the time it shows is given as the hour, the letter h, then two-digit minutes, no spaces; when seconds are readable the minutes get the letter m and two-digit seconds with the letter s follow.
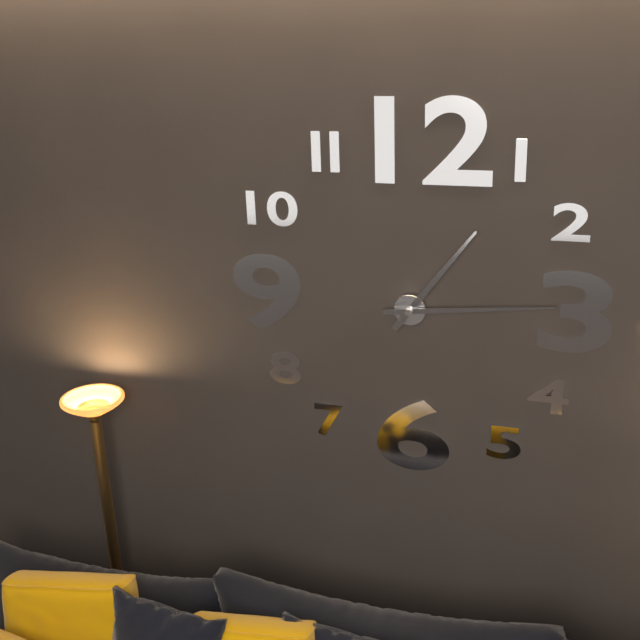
1h14
